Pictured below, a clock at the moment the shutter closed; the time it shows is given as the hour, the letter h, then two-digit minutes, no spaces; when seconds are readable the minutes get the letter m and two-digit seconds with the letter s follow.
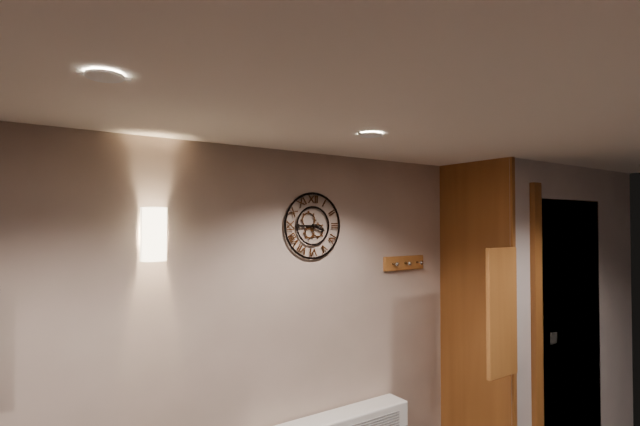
3h45
